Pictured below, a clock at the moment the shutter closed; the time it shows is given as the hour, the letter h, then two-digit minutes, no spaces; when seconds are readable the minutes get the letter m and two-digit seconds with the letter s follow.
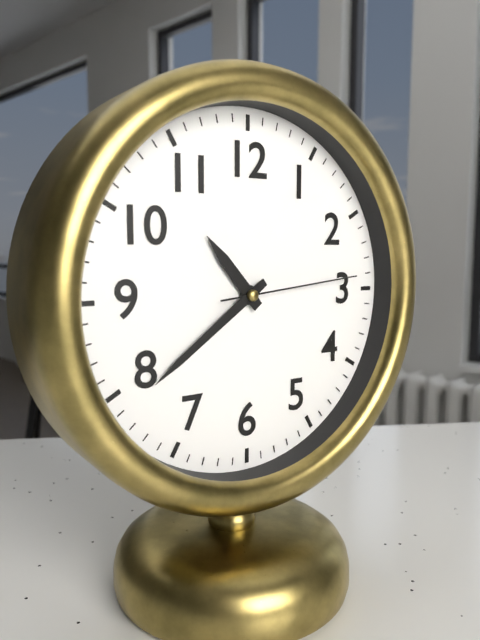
10h39m14s
